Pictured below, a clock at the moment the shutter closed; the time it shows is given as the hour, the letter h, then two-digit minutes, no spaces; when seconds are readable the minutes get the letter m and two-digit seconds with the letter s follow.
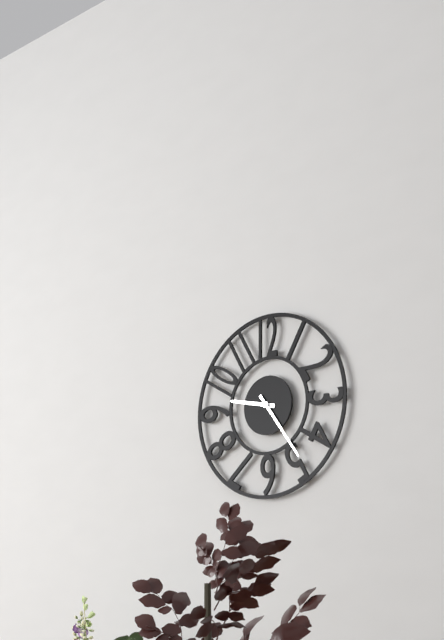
9h24
